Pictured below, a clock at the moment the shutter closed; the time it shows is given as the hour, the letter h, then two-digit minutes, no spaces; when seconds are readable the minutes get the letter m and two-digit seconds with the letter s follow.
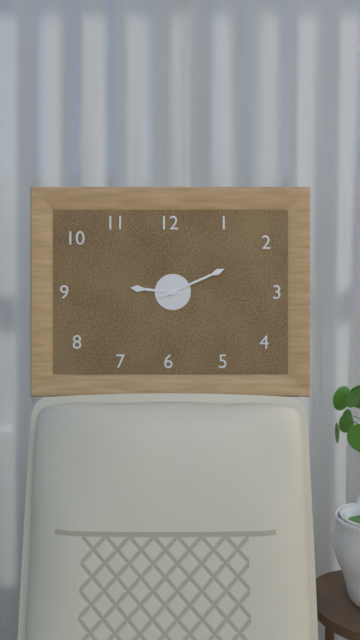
9h11
